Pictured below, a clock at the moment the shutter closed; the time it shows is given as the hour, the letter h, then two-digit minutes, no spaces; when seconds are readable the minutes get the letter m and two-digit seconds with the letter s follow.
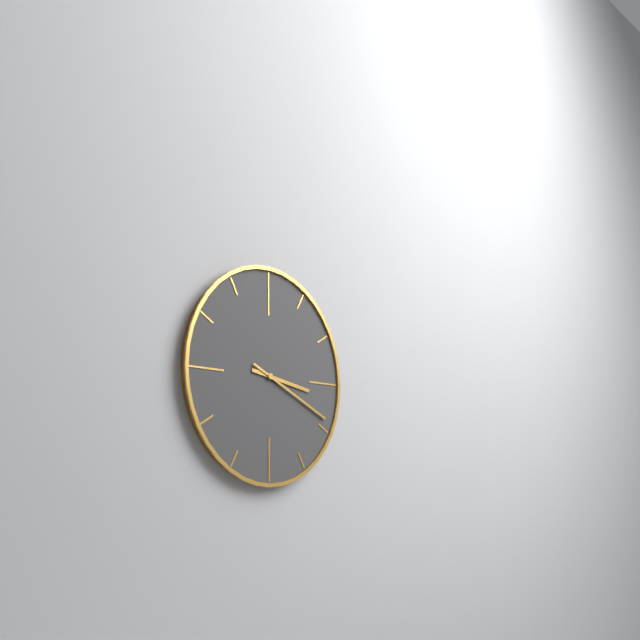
3h19
